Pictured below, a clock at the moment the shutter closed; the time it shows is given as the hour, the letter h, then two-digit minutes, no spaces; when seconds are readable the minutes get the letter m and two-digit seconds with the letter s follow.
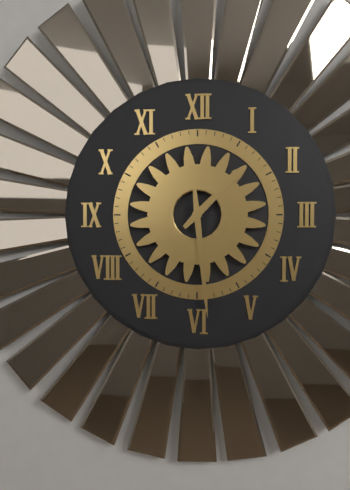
1h29
